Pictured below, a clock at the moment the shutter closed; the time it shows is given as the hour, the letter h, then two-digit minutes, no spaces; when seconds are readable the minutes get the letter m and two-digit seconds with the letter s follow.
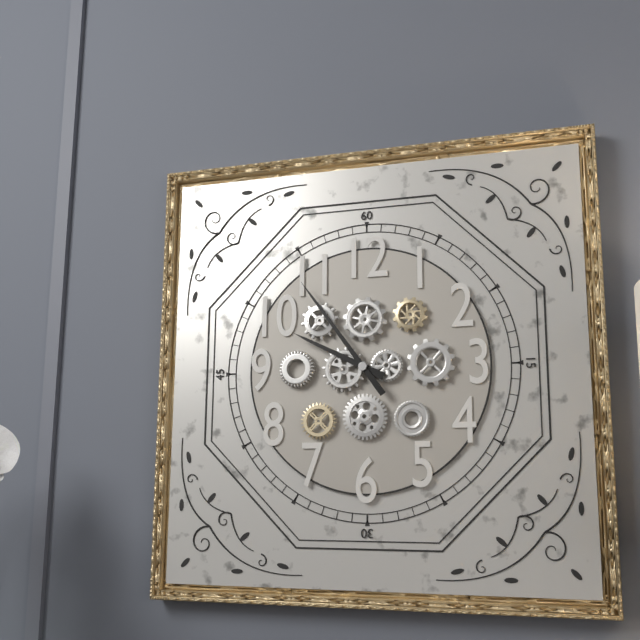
9h54
